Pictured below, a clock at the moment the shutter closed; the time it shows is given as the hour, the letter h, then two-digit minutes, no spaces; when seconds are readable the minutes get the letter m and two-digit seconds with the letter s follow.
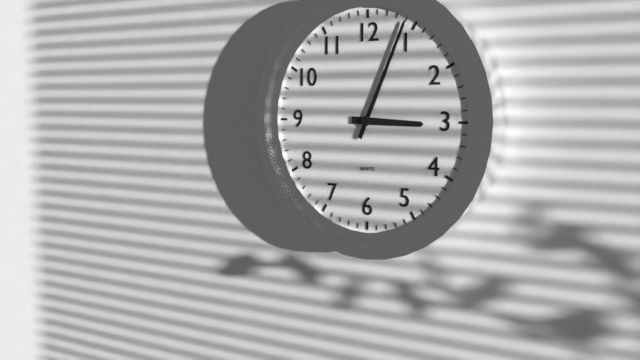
3h04
